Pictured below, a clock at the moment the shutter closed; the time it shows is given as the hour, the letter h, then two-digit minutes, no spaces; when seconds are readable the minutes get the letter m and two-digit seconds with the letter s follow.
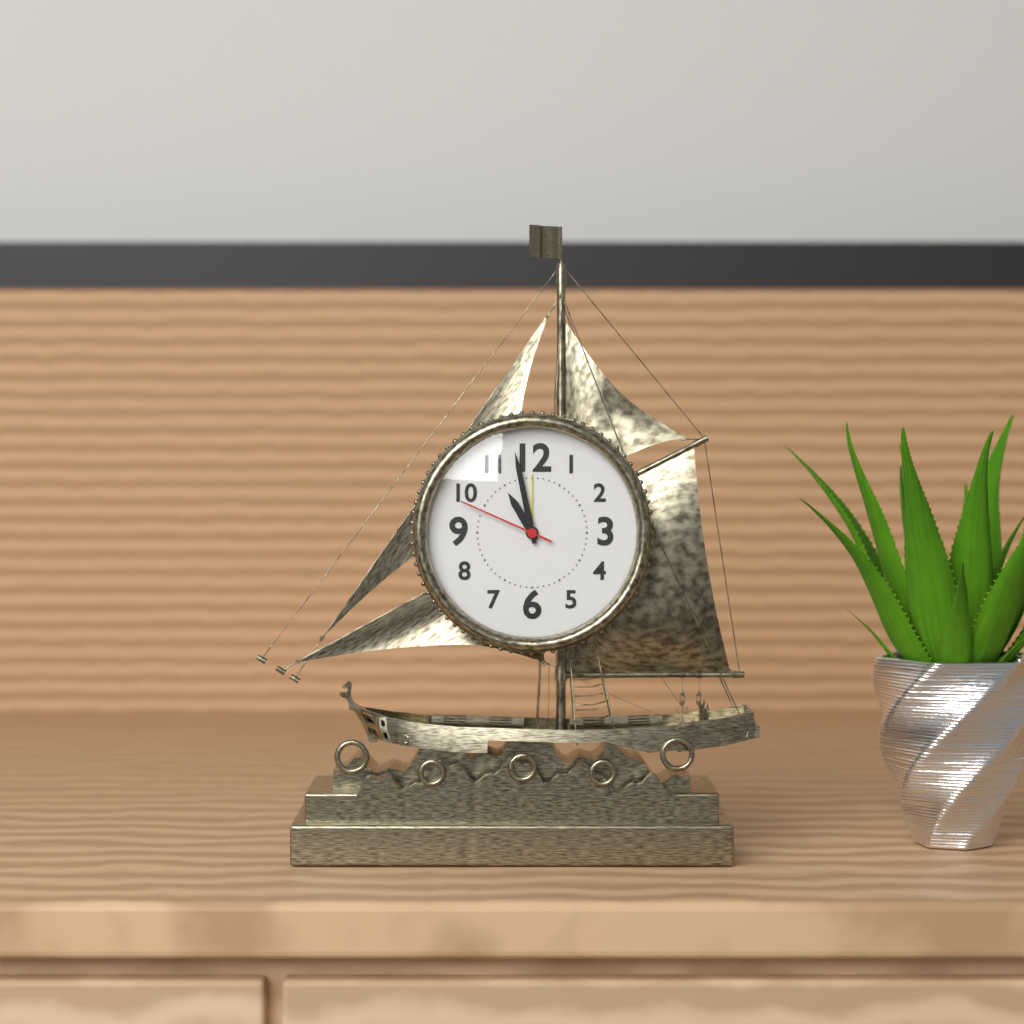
10h58m49s
